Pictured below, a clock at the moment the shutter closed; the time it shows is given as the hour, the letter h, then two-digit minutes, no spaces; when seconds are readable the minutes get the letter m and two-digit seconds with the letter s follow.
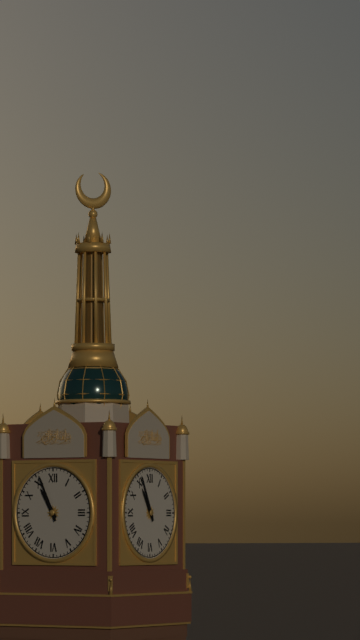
10h56
